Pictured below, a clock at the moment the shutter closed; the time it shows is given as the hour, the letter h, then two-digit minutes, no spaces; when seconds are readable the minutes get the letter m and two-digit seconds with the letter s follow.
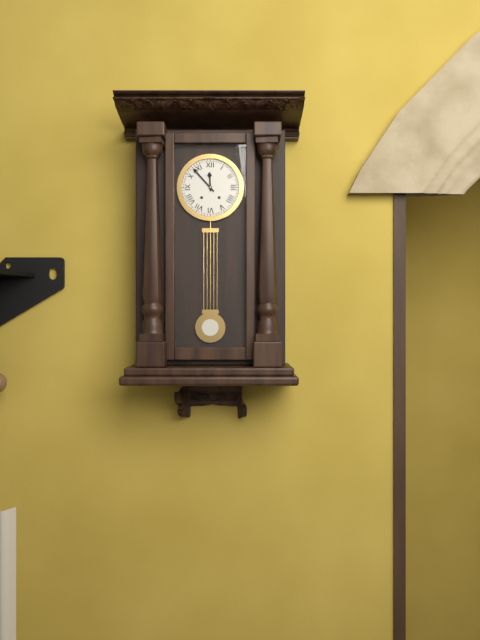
11h53
